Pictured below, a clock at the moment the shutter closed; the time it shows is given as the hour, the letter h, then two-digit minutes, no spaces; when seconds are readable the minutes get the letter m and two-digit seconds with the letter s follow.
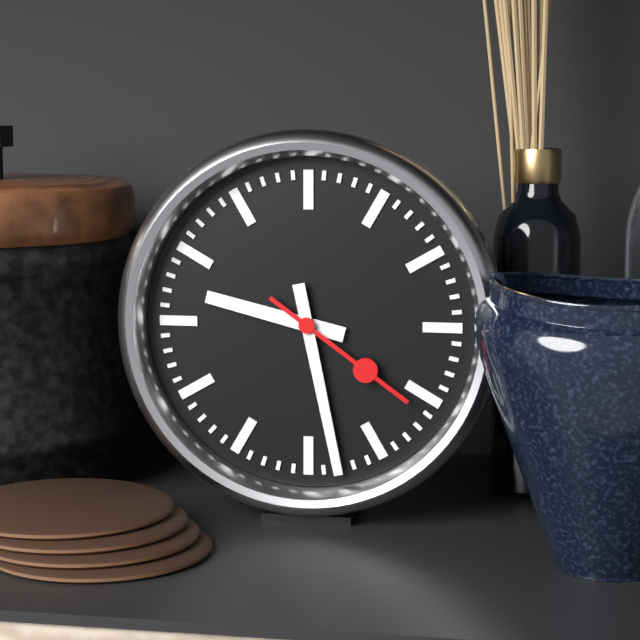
9h28m21s
